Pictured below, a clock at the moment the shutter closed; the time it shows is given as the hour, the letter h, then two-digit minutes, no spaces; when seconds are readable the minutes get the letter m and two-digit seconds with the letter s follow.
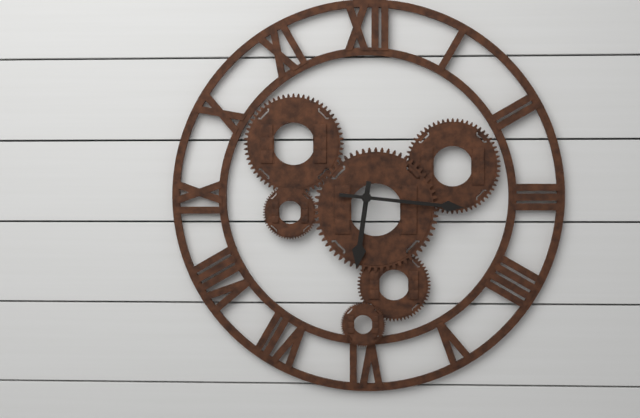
6h16
